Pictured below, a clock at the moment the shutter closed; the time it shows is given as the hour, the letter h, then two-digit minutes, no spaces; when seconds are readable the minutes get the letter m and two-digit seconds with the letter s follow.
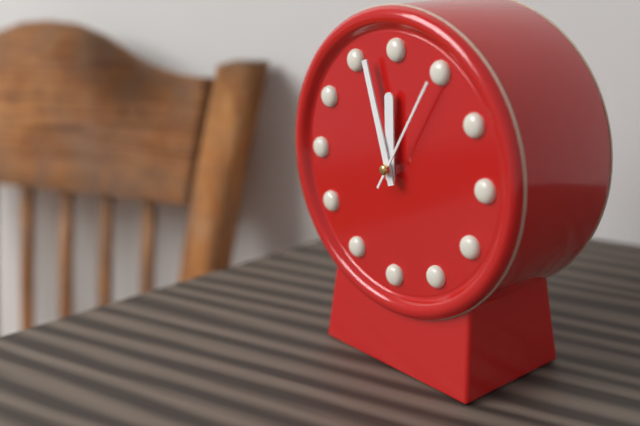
11h57m05s
